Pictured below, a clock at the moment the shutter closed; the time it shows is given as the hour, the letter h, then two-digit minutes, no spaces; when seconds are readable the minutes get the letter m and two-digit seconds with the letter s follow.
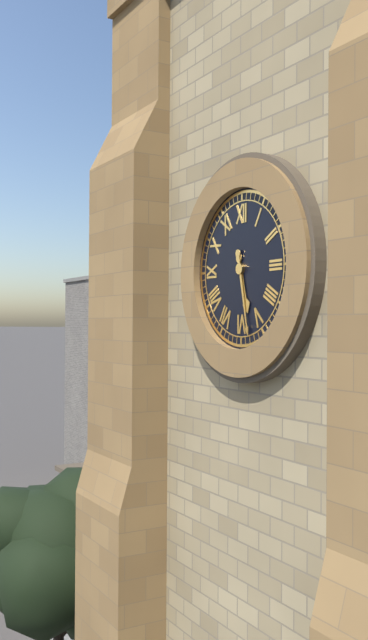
5h28
